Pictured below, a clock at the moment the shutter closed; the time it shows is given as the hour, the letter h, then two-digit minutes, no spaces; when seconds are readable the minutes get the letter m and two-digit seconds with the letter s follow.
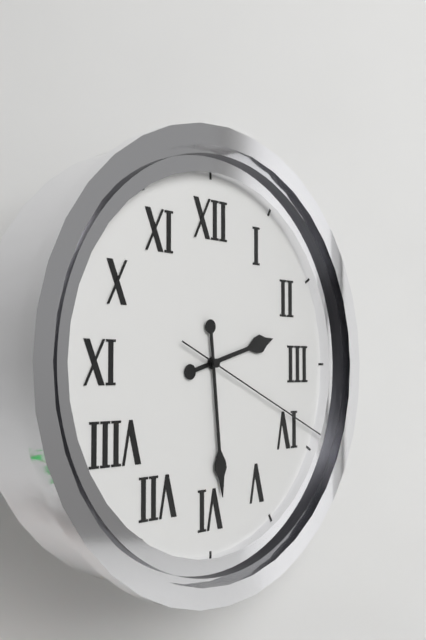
2h29m19s
